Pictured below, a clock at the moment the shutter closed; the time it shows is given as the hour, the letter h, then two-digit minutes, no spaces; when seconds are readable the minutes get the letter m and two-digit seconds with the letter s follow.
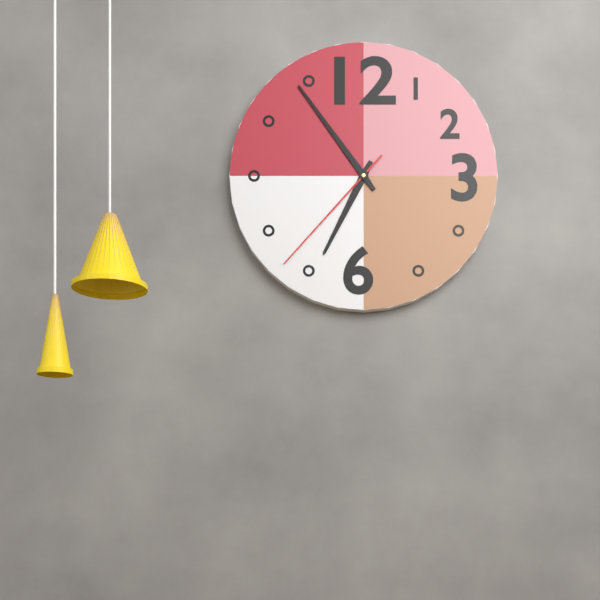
6h54m37s
